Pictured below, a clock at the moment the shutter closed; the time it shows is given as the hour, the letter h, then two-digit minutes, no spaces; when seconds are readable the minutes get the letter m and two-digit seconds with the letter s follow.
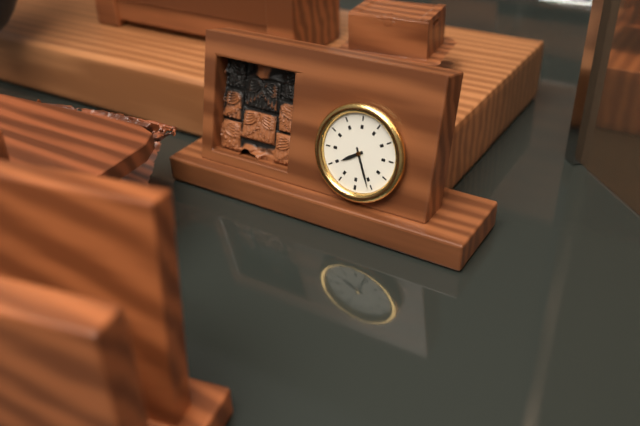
1h56
